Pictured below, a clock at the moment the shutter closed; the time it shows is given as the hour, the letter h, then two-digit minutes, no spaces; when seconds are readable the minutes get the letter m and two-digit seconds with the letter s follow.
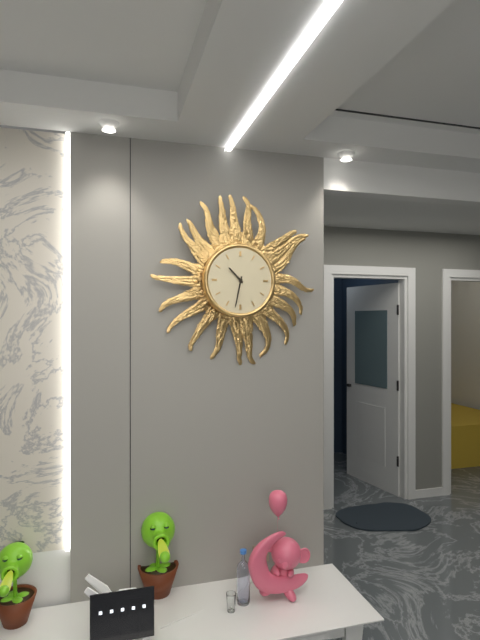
10h32
